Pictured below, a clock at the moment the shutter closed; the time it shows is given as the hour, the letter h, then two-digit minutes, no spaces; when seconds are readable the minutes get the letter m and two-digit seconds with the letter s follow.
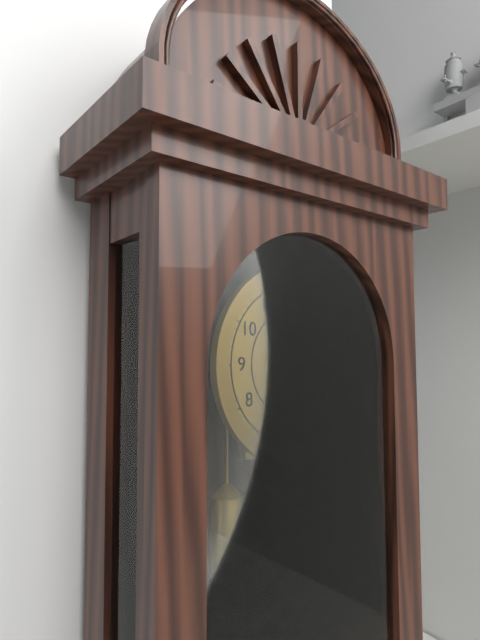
5h55
